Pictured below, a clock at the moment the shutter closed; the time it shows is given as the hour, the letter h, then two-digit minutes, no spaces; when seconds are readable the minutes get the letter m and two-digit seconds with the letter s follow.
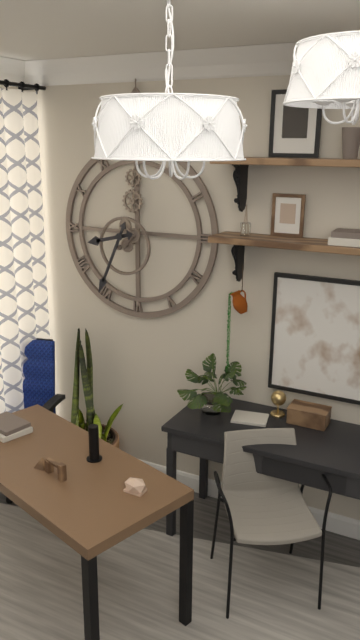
8h34
